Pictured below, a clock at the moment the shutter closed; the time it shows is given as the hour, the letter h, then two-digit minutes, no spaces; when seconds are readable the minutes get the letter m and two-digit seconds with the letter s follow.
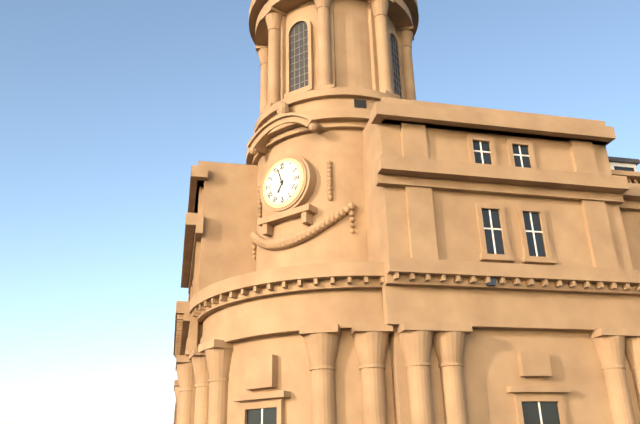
6h57
